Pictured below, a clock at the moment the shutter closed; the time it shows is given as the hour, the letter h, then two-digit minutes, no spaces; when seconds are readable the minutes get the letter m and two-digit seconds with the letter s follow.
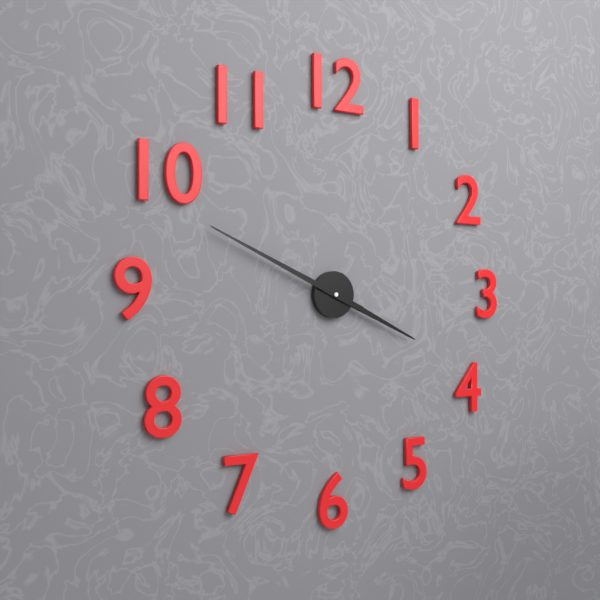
3h49
